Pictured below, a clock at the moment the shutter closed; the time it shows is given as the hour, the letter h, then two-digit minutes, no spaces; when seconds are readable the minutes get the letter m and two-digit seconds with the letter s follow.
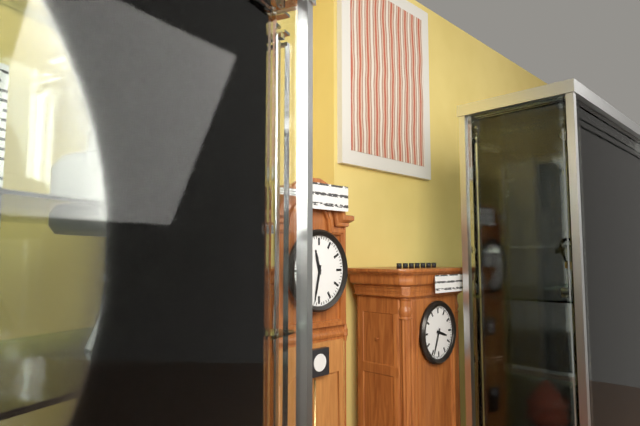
11h32
